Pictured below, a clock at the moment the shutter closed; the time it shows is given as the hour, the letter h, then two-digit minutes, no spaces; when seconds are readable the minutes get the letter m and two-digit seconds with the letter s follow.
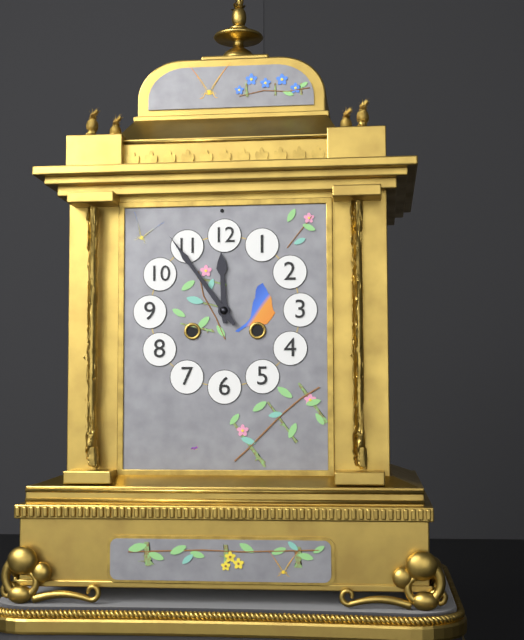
11h54
